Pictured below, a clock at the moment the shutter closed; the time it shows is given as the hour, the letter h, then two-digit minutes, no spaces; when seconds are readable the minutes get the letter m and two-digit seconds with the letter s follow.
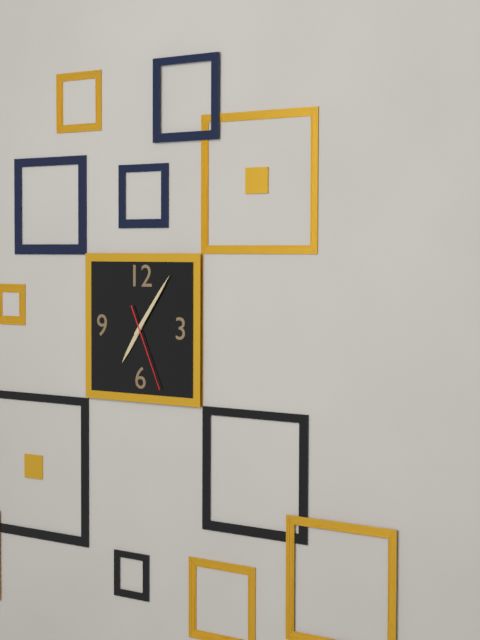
7h06m26s
